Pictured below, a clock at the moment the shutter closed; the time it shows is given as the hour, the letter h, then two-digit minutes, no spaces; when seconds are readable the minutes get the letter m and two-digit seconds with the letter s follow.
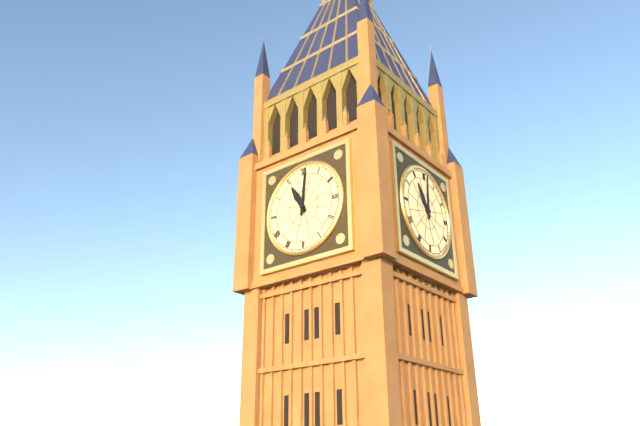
11h01
